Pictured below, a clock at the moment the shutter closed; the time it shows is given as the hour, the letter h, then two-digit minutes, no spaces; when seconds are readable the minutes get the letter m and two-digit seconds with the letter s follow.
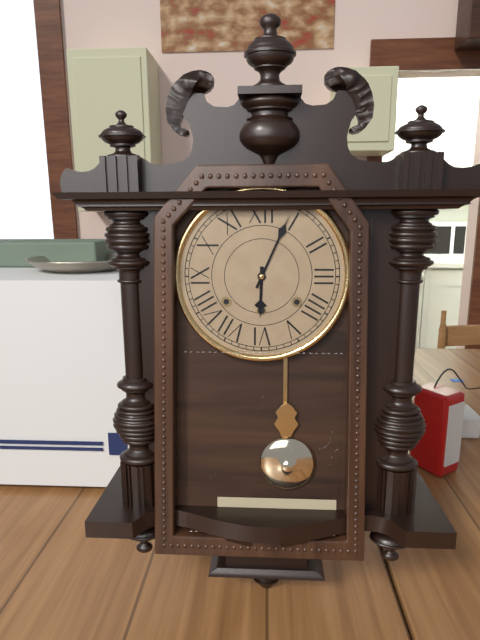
6h04
